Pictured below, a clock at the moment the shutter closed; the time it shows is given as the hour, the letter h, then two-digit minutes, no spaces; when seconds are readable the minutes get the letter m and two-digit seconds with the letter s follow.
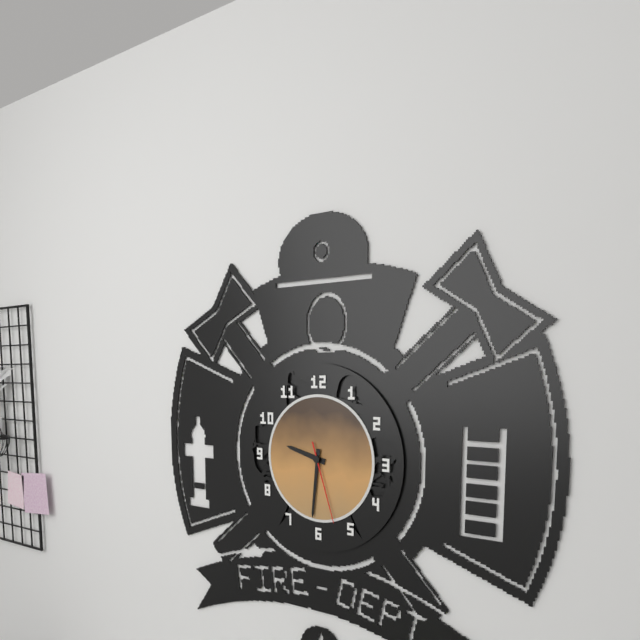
9h31m27s
